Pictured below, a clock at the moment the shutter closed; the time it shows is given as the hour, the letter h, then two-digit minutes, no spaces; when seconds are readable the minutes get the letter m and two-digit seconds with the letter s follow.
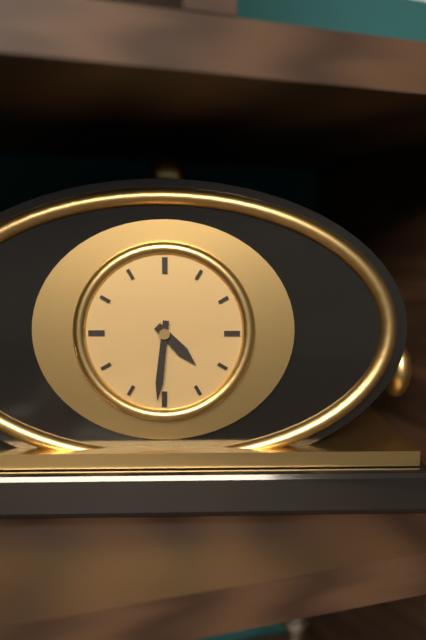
4h31
